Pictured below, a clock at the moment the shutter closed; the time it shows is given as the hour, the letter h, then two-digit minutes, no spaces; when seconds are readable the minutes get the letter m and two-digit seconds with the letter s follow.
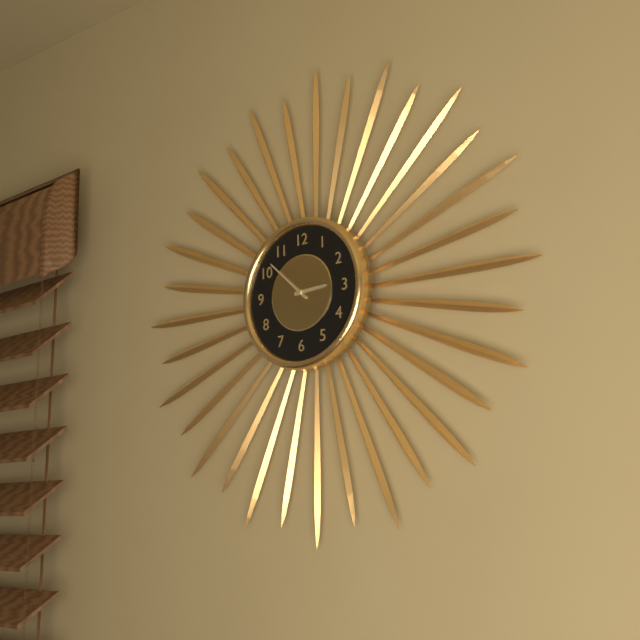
2h52
